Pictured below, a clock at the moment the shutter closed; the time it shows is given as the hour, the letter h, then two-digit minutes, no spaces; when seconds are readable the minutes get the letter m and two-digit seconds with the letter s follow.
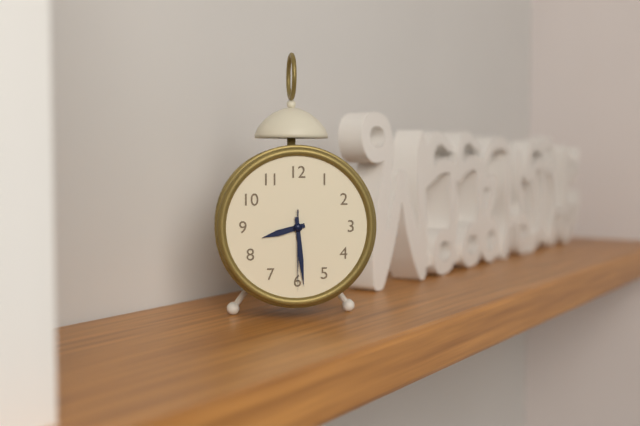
8h29m30s
